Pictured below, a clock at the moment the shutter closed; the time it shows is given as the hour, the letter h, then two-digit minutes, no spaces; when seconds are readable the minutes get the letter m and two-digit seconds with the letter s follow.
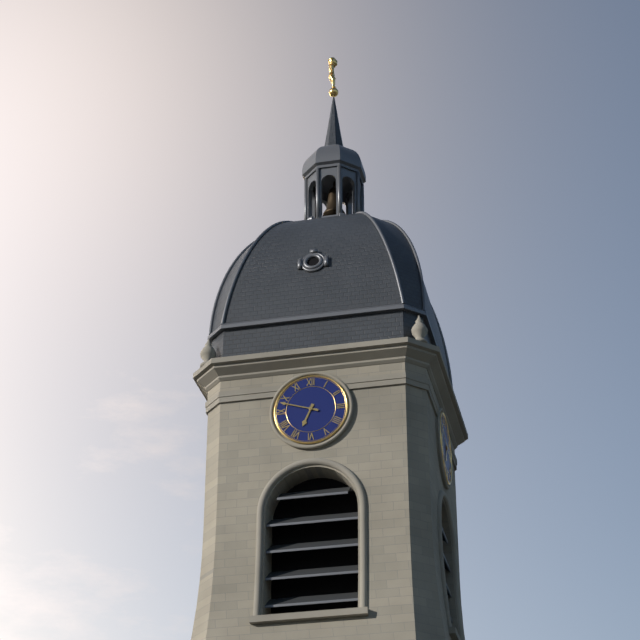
6h48
